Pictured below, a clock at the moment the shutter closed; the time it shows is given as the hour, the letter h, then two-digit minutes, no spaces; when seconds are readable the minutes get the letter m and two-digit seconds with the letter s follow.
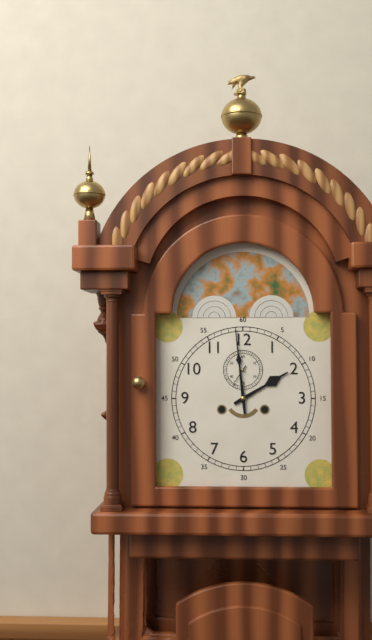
1h59
